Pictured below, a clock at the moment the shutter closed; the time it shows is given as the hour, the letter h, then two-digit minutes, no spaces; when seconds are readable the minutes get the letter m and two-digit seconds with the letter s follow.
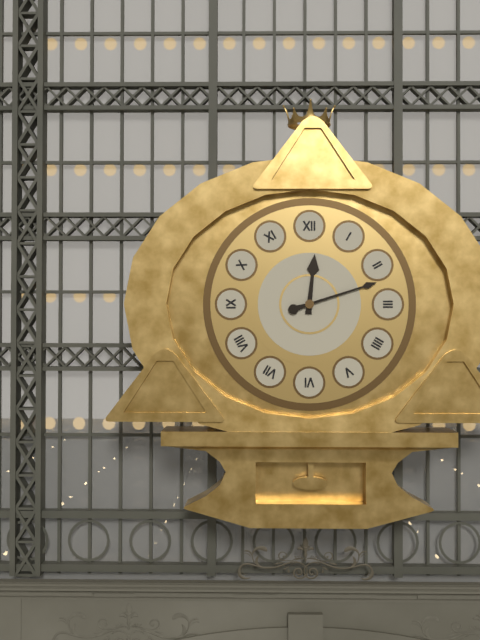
12h12
